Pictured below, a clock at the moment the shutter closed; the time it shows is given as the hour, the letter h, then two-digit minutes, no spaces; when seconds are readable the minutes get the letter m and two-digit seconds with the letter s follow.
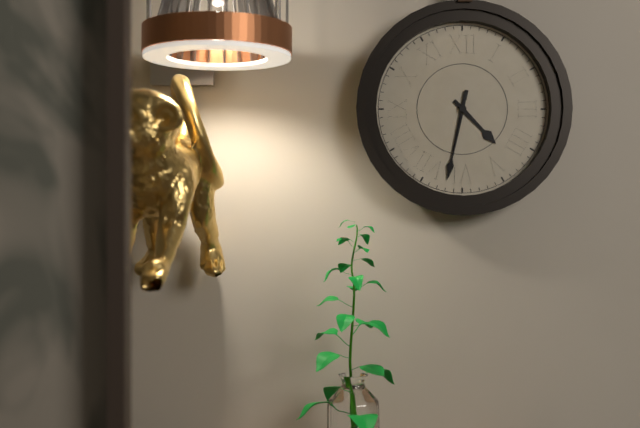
4h32m32s
